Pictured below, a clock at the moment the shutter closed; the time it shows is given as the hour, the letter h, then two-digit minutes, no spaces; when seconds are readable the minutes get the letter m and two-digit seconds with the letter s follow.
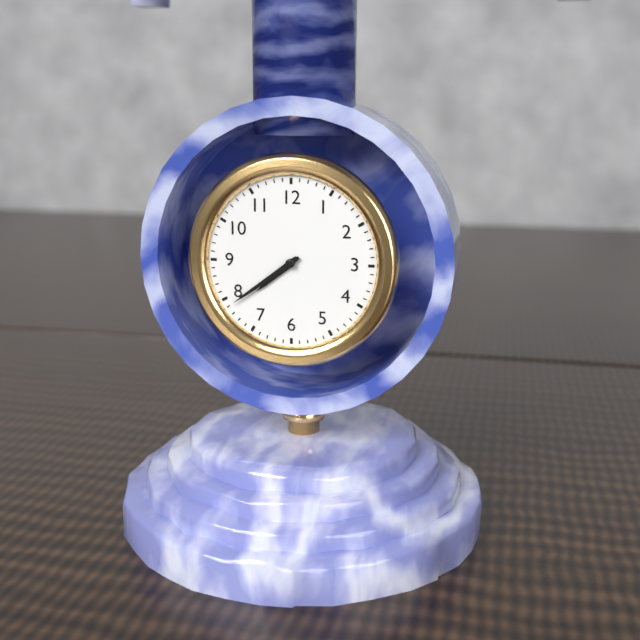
7h39
